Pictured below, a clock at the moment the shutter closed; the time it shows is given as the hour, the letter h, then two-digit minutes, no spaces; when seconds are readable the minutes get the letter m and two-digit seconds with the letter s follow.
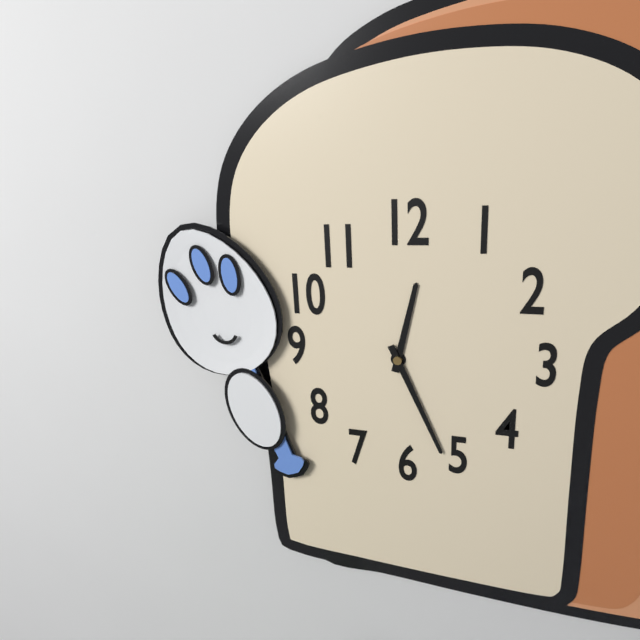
12h26
